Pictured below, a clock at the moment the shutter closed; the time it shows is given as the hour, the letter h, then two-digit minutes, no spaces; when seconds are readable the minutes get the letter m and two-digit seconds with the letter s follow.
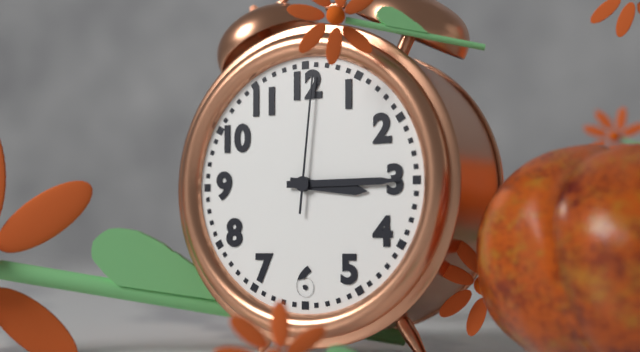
3h15m01s
